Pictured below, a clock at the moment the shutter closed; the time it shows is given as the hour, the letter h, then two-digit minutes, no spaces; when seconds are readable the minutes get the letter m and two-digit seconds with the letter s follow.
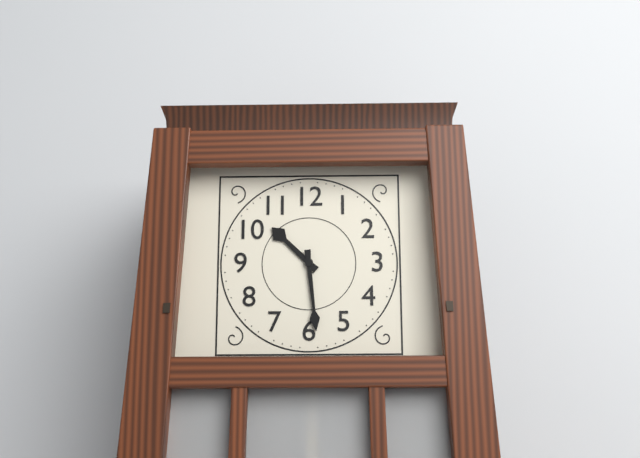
10h29
